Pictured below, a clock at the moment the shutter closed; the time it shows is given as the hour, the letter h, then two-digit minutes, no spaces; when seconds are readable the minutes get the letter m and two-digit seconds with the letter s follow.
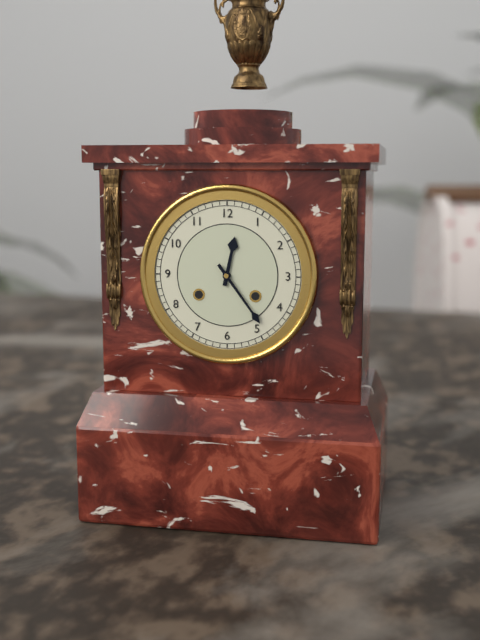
12h24
